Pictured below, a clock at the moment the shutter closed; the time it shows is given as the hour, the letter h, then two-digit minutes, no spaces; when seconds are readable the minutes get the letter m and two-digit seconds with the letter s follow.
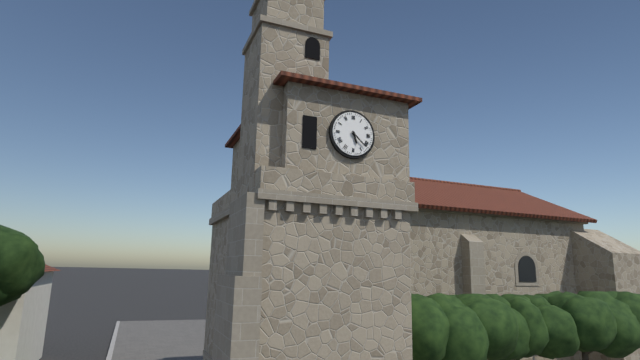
5h22
